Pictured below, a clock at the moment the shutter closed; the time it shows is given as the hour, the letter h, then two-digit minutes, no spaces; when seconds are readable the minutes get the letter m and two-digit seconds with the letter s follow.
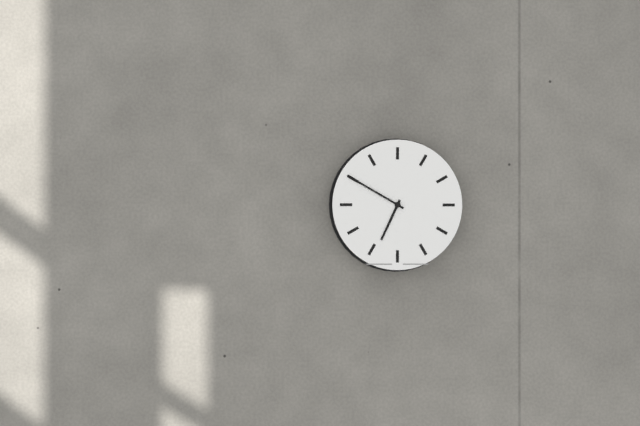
6h50
